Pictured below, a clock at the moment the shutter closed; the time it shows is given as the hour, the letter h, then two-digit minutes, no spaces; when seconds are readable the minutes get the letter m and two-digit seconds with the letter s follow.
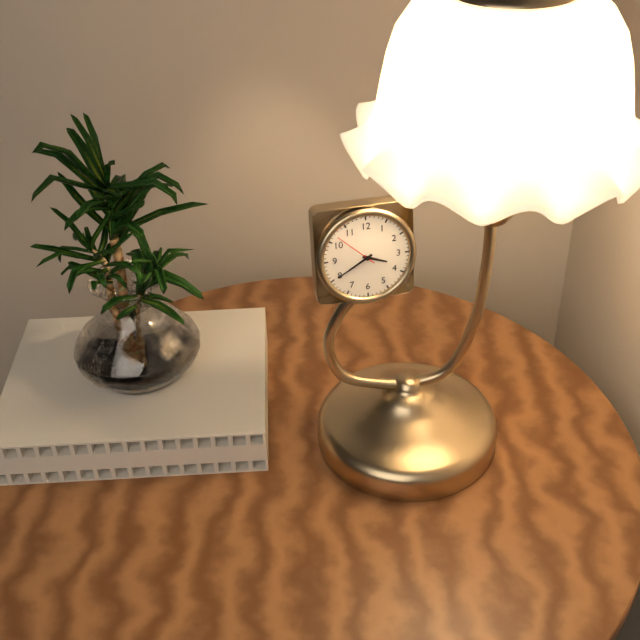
3h40
